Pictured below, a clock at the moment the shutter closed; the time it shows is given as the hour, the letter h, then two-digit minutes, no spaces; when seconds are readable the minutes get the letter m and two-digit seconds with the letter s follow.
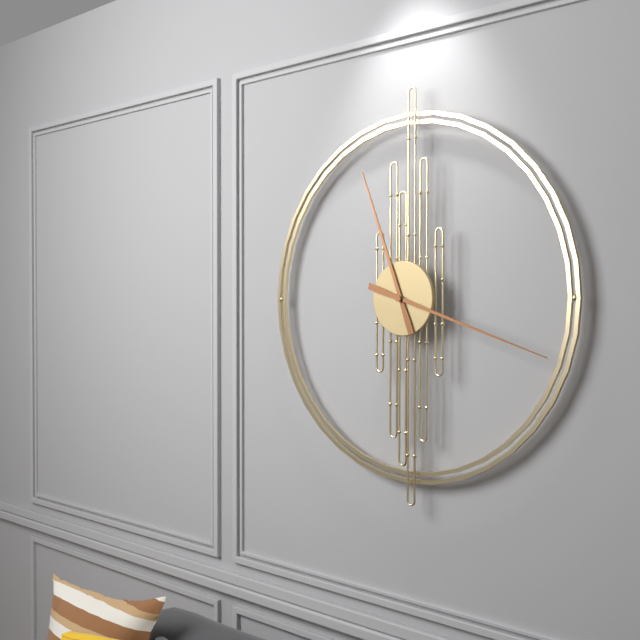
11h18
